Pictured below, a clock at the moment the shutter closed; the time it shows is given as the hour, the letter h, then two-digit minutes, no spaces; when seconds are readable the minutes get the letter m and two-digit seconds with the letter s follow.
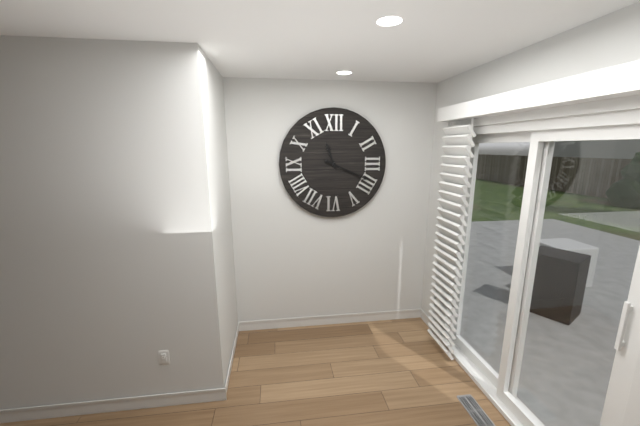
11h19
